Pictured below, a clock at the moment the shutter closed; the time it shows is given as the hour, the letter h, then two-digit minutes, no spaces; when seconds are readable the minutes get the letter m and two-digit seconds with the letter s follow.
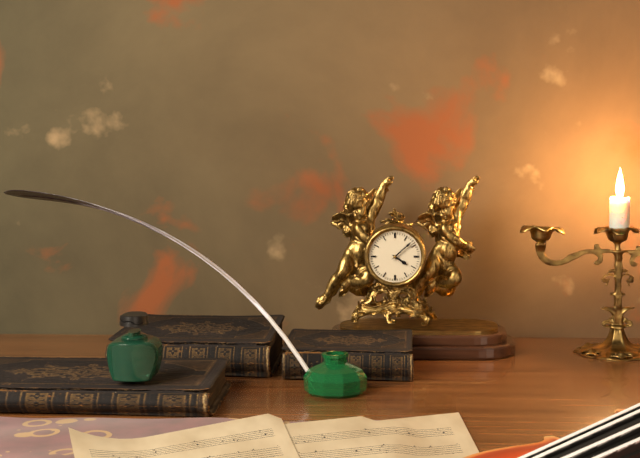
4h08
